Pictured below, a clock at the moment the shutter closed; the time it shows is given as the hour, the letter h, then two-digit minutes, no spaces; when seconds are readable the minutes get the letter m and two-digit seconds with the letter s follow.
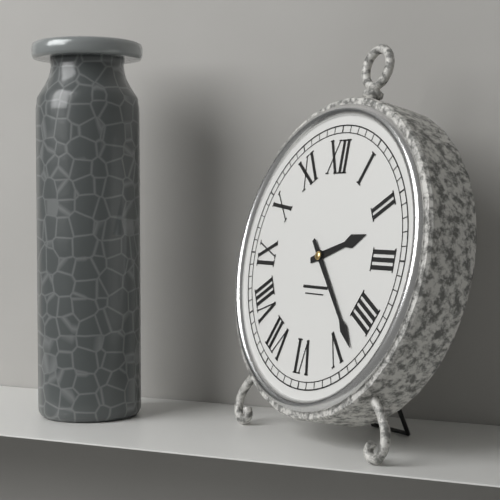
2h23
